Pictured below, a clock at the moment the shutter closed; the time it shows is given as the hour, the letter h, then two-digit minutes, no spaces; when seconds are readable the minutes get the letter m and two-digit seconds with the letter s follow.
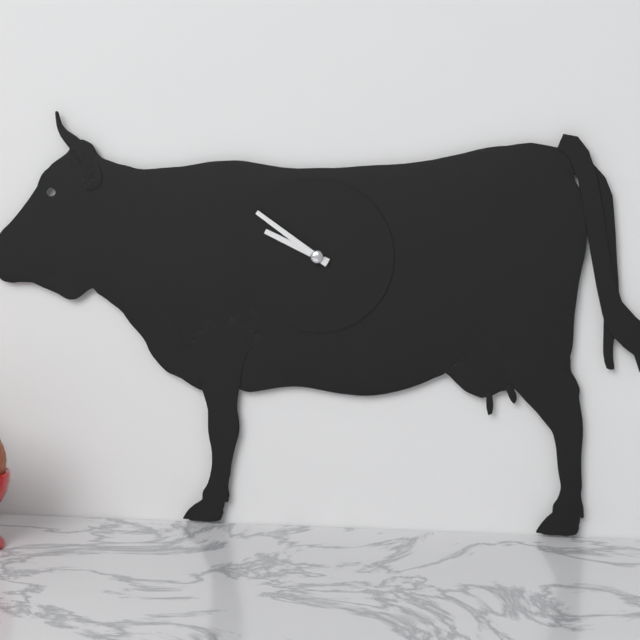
9h51
